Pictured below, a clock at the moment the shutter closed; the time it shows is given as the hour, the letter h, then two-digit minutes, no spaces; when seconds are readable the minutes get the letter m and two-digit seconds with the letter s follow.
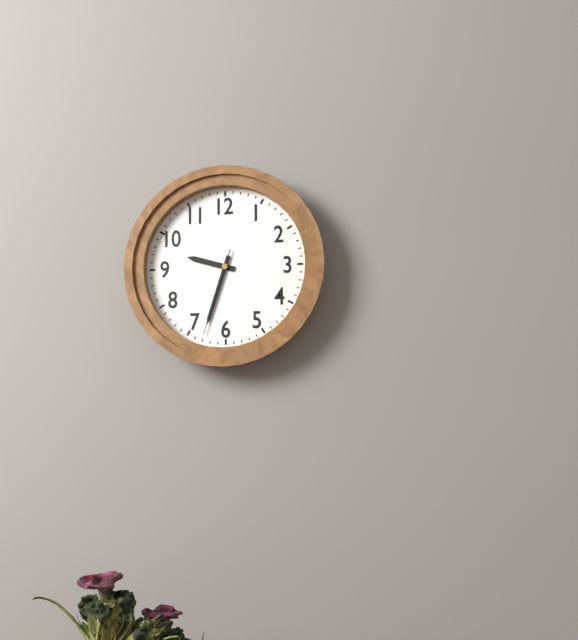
9h33m33s
